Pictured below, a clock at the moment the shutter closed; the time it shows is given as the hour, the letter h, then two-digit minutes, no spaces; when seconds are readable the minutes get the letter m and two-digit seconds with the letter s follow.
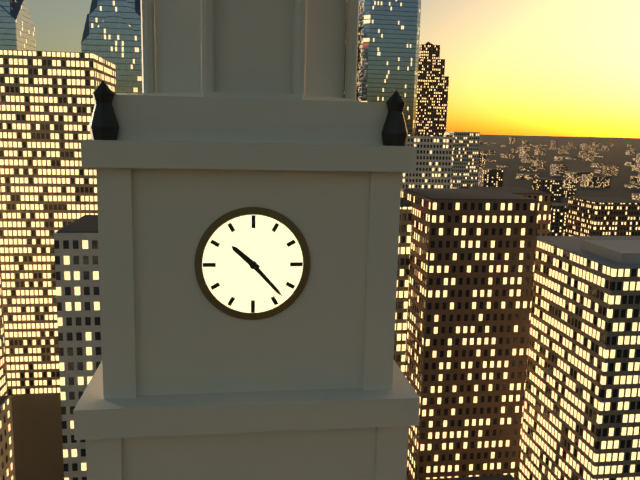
10h23
